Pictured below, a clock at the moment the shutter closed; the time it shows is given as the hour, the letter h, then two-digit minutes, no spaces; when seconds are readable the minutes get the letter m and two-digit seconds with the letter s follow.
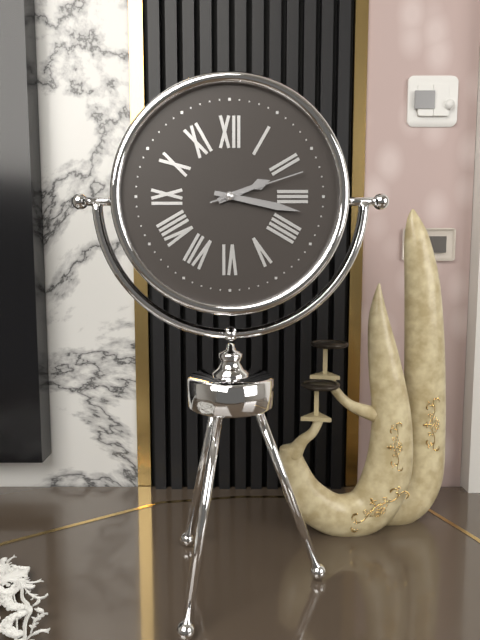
2h17m12s
